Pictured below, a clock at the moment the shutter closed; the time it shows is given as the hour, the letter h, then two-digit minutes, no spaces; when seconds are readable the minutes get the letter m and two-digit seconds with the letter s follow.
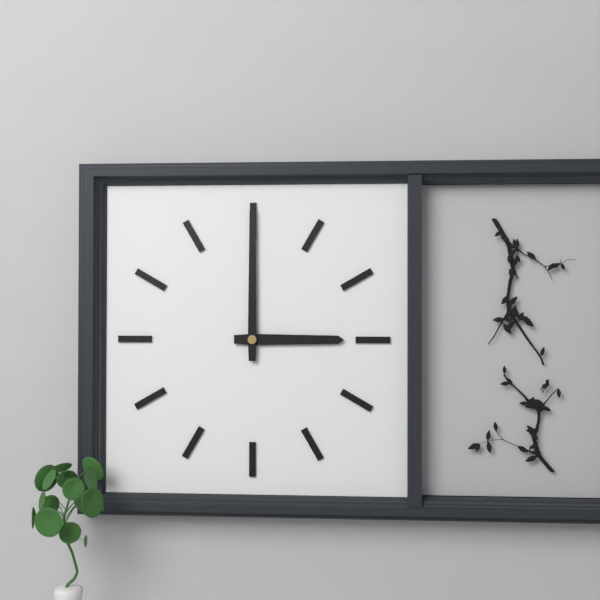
3h00
